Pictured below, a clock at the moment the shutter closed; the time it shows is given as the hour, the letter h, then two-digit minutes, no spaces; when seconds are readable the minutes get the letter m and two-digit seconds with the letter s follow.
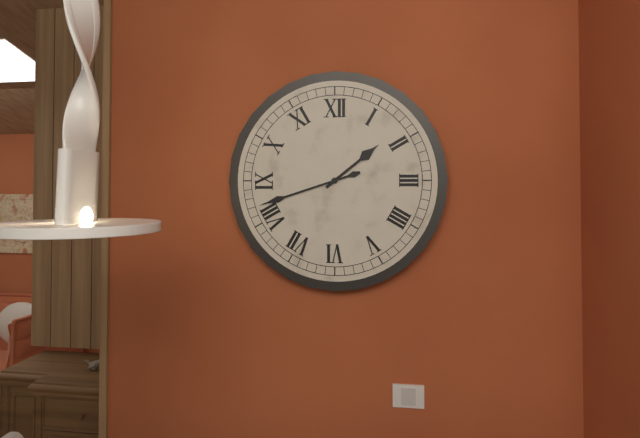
1h42
